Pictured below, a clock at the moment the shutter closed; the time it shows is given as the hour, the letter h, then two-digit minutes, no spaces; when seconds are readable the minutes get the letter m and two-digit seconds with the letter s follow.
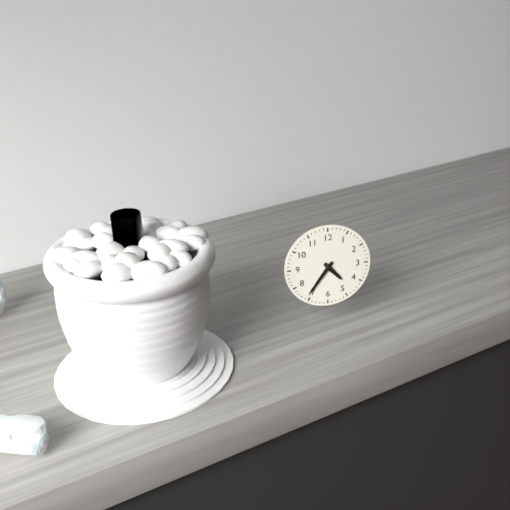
4h36
